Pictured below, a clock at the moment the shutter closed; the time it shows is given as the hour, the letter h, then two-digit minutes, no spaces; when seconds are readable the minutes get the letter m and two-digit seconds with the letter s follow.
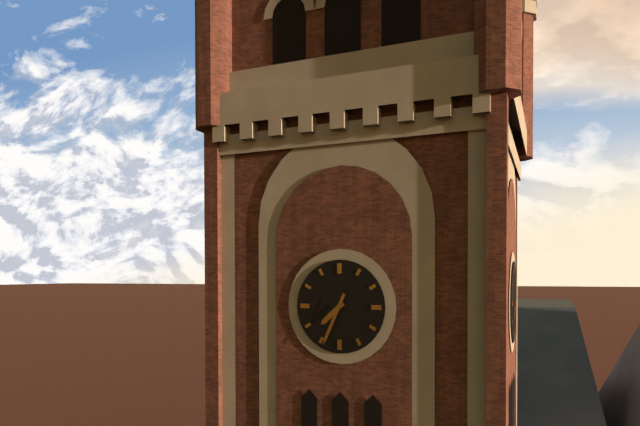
7h34
